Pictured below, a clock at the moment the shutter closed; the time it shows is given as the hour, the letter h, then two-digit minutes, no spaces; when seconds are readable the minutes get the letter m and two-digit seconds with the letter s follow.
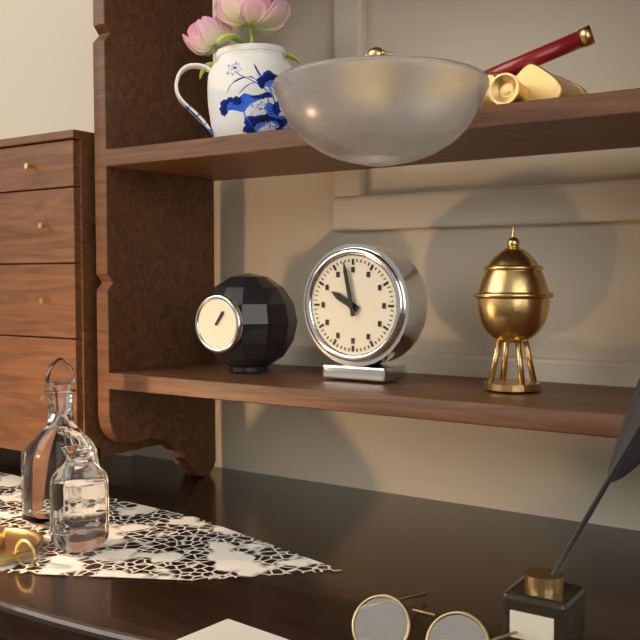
9h58
